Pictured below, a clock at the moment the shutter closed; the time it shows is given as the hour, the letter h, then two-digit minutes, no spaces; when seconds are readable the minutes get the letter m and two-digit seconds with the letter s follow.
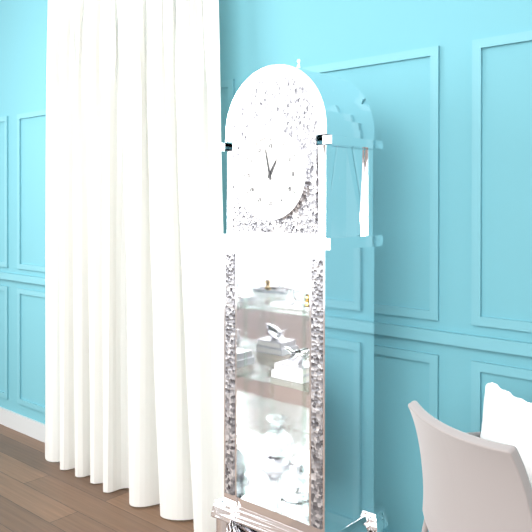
12h58
